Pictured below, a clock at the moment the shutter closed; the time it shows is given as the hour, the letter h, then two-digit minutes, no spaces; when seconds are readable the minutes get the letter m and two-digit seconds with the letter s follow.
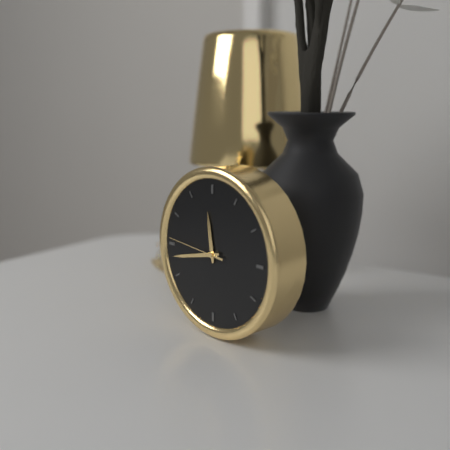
11h43m46s
